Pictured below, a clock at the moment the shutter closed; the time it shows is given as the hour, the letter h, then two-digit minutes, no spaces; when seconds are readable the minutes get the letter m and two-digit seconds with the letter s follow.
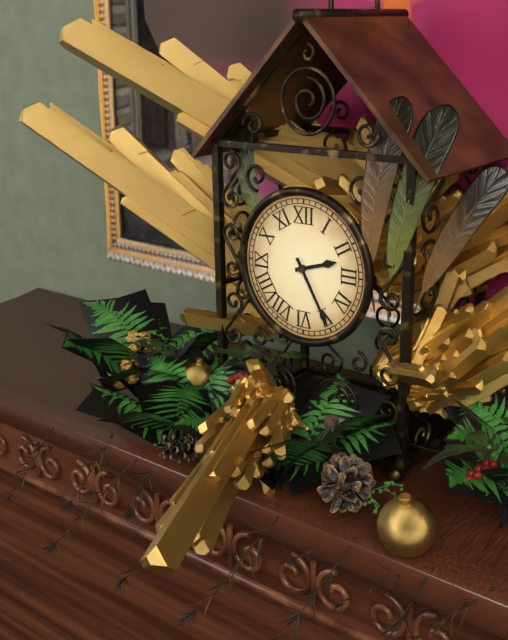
2h25
